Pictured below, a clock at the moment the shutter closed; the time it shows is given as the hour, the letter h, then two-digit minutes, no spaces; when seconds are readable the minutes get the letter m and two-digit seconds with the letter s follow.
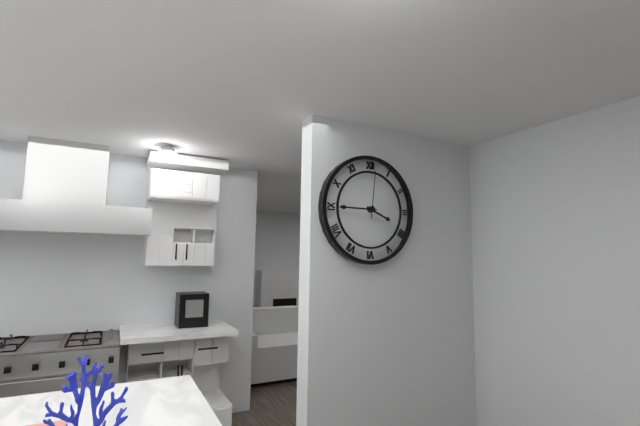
3h45m01s
